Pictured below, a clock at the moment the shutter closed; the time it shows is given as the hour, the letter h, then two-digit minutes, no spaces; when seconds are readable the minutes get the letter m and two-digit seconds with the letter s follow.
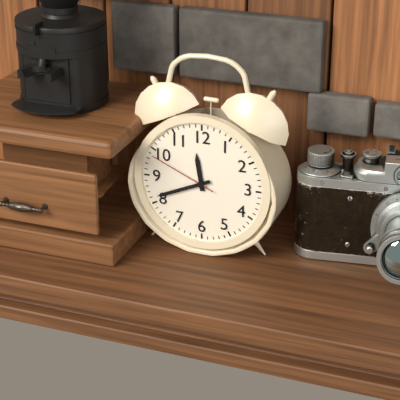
11h41m49s
